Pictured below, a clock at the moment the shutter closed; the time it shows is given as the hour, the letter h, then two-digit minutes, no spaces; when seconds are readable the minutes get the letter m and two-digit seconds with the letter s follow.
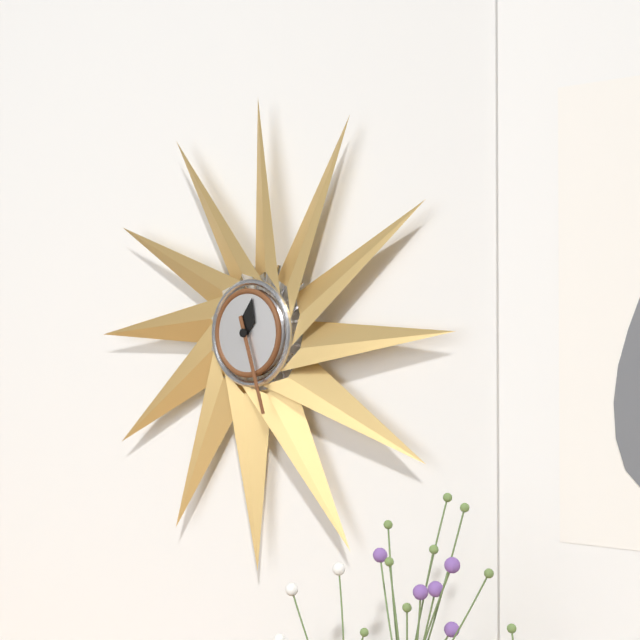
12h27
